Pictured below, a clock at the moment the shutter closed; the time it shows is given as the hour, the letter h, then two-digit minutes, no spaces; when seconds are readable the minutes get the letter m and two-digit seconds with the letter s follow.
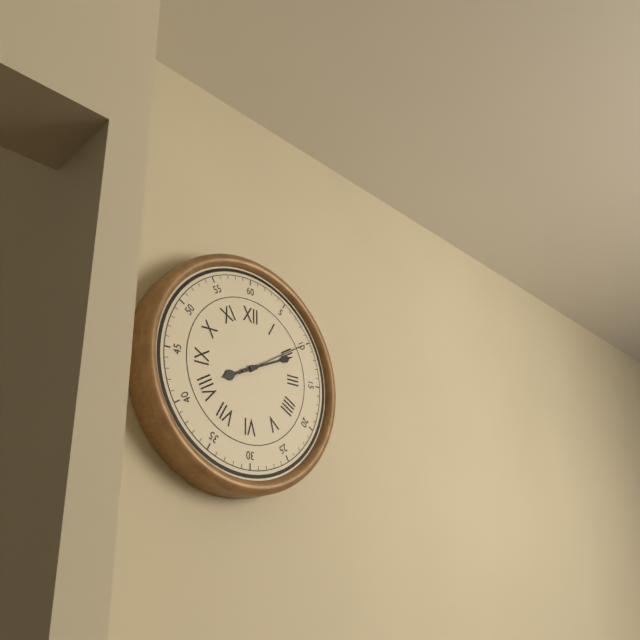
8h11m10s
